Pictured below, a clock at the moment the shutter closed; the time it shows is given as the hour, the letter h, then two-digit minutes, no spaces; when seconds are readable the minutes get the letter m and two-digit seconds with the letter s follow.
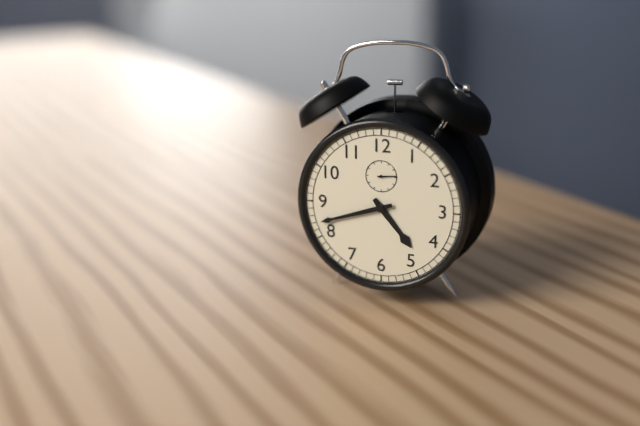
4h42
